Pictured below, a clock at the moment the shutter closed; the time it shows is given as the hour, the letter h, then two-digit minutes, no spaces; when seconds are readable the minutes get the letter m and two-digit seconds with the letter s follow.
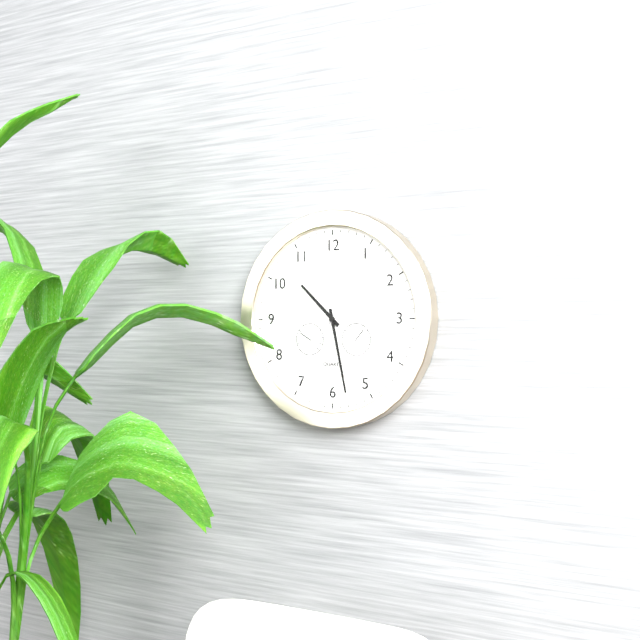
10h28m35s
